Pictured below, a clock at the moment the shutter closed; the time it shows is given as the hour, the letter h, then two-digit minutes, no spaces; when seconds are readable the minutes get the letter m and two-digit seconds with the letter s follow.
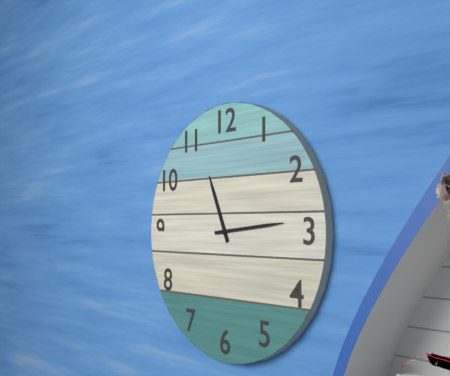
11h14
